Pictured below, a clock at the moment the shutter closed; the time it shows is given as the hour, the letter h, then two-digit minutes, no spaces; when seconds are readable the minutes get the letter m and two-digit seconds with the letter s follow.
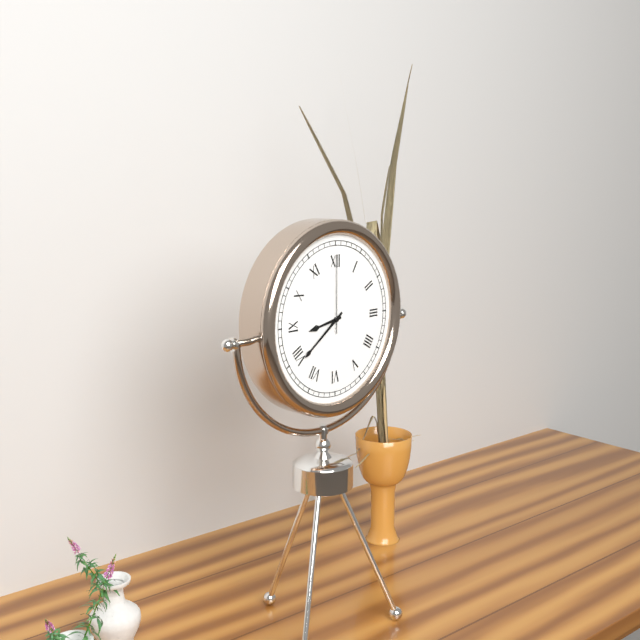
8h39m00s
